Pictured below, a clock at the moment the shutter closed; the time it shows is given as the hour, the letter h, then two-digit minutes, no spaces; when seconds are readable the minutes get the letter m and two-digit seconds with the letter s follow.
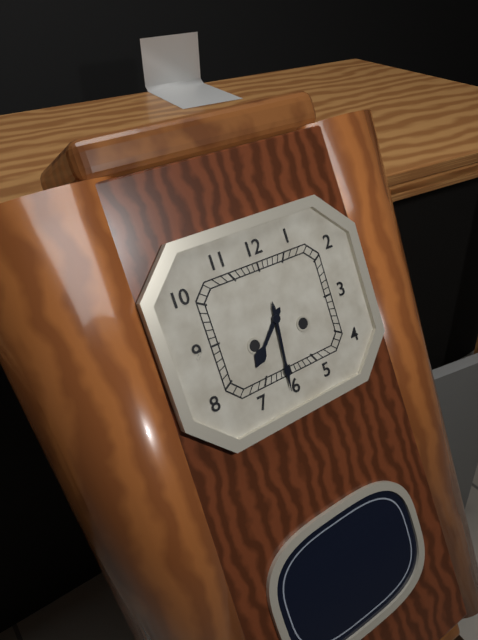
7h31
